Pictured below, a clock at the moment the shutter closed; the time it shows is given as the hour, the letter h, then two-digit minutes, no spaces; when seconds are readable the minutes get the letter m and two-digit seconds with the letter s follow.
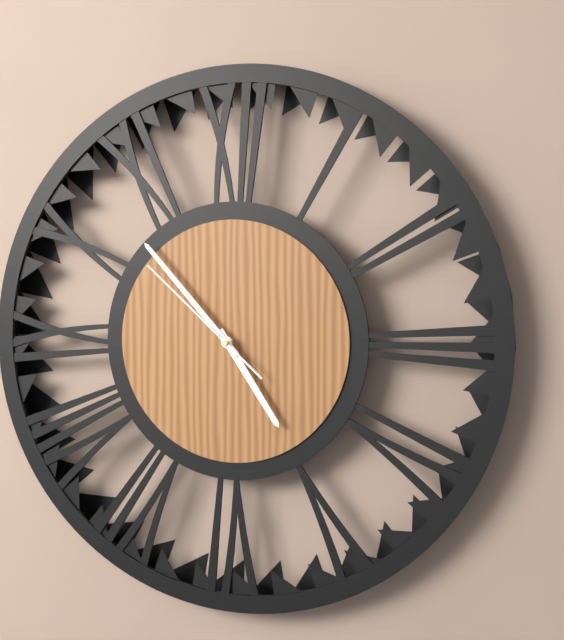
4h53m52s
